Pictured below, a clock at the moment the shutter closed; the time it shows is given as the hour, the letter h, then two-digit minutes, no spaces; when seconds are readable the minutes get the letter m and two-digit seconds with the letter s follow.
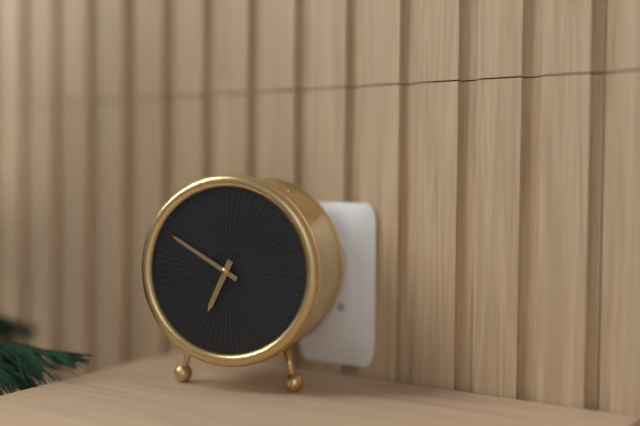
6h50
